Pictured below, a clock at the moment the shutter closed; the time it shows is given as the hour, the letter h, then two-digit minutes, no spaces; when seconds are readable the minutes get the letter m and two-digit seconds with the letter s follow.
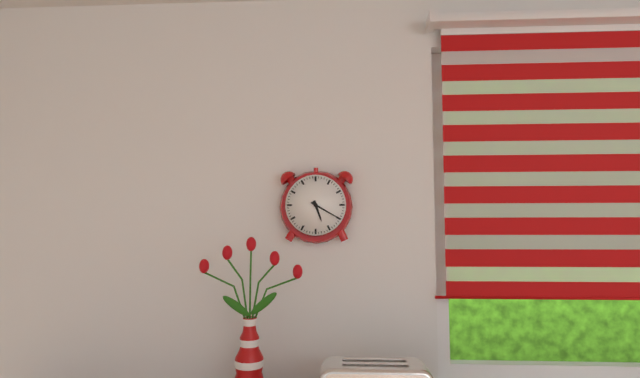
5h20
